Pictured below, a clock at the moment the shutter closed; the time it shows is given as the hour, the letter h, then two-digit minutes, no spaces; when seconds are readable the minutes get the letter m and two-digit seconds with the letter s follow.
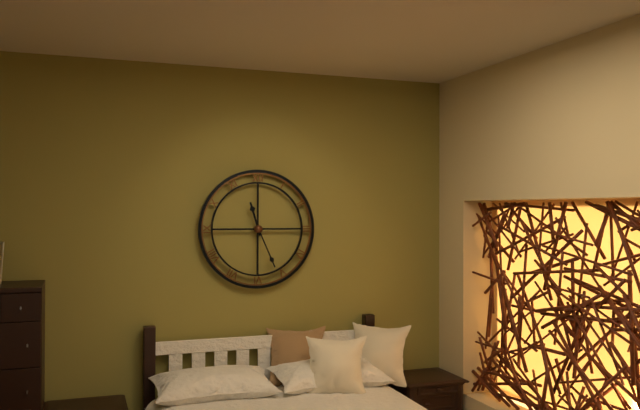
11h26
